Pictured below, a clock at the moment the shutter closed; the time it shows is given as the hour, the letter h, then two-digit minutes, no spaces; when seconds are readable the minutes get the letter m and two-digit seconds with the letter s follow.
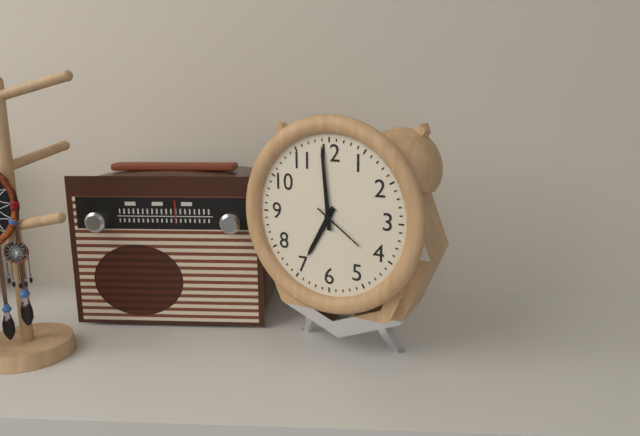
6h59m21s
